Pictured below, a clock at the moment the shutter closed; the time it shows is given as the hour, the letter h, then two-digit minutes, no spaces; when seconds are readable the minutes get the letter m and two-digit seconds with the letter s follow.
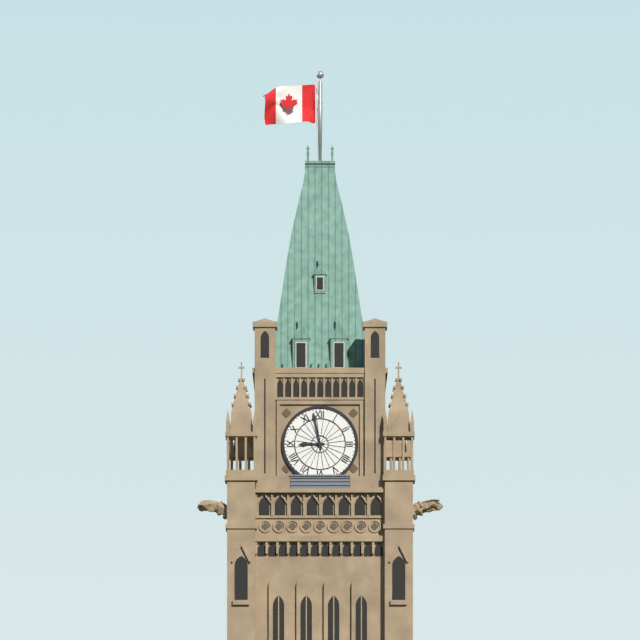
8h58
